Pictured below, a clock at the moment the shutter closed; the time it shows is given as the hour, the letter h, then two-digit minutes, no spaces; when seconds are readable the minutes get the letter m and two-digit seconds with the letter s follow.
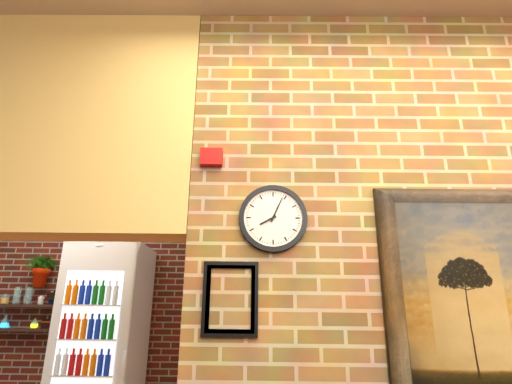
8h04
